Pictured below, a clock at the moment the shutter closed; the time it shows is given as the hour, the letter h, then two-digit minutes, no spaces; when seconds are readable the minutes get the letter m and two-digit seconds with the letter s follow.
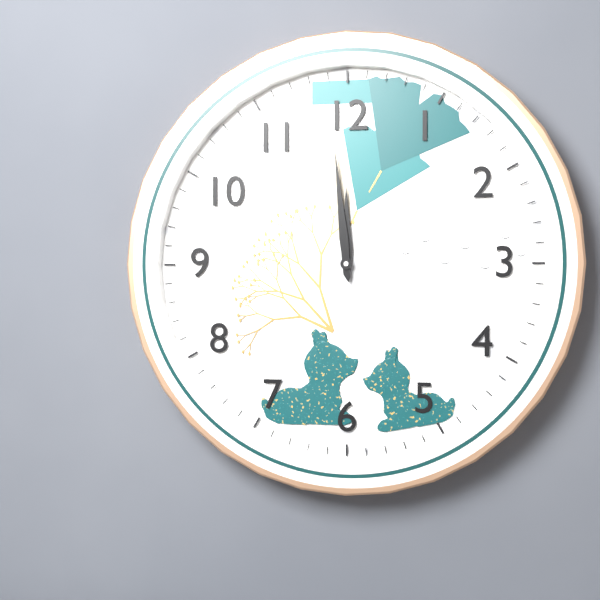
11h59
